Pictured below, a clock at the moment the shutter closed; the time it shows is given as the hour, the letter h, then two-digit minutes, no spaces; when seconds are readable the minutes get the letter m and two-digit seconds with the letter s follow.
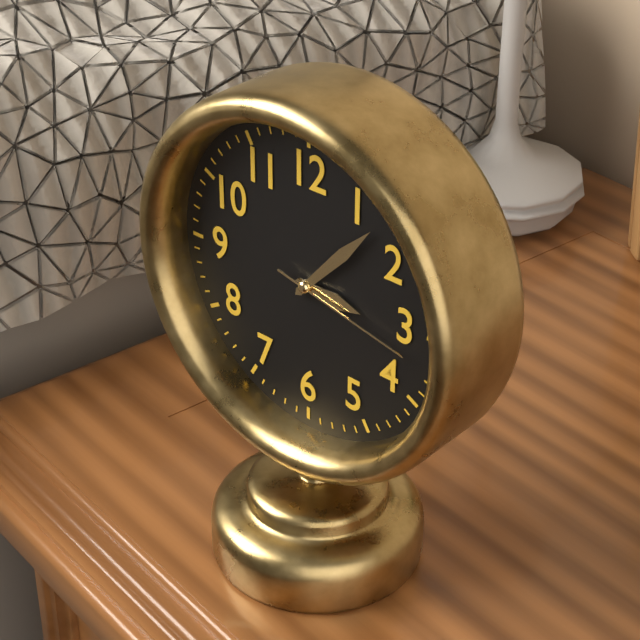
3h07m17s
